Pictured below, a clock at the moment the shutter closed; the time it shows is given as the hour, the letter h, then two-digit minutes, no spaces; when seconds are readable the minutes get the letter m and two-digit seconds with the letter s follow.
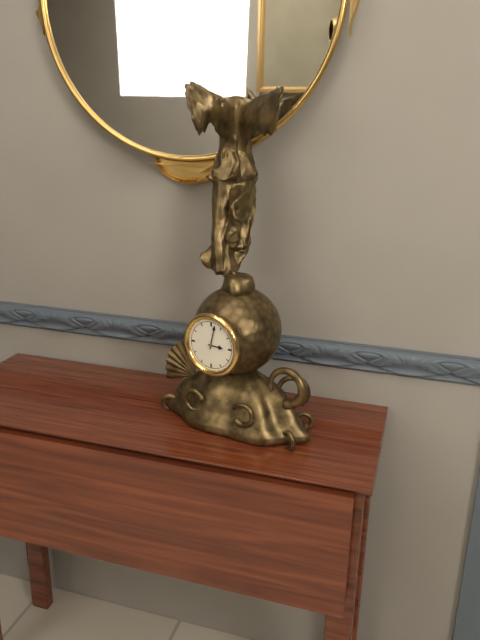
3h02
